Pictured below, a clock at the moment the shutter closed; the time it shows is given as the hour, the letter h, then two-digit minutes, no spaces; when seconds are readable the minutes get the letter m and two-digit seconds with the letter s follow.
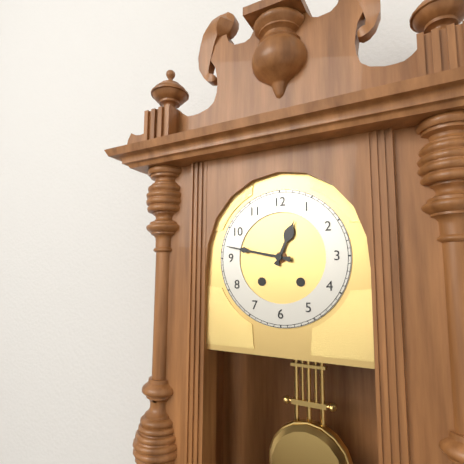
12h47
